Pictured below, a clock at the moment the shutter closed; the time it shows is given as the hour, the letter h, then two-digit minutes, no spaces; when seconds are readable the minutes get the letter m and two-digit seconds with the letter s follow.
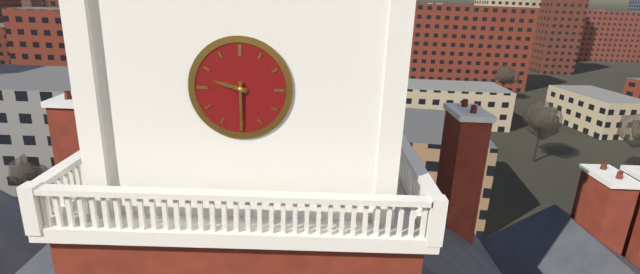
9h30
